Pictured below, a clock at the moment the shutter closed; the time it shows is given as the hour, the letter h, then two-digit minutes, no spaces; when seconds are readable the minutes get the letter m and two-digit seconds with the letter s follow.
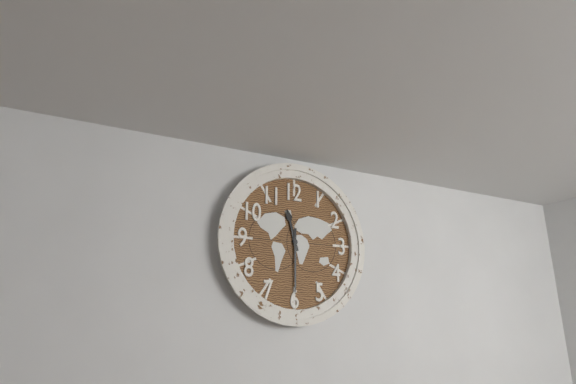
11h30
